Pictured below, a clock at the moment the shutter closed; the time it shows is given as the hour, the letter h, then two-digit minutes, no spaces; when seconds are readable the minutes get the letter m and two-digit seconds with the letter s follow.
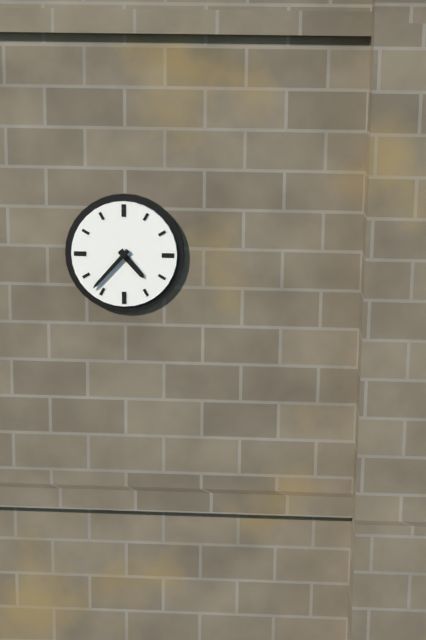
4h37
